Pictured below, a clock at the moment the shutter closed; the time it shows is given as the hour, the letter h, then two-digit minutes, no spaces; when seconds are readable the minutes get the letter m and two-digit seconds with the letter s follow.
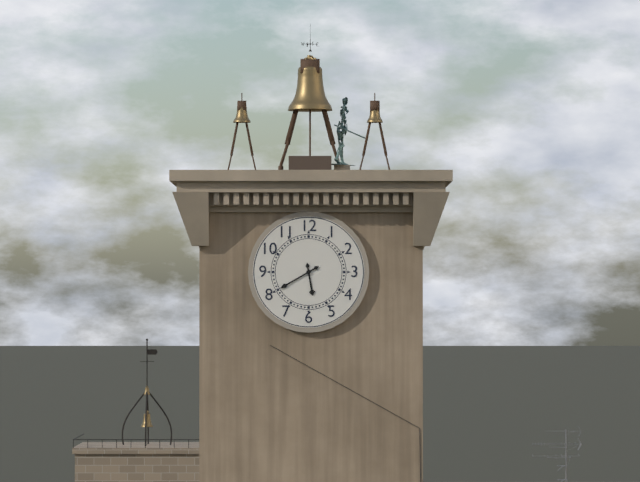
5h40
